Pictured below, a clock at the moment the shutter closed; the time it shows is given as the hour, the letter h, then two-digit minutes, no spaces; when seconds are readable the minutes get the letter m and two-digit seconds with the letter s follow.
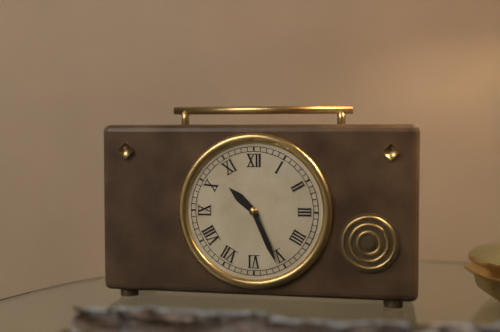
10h26
